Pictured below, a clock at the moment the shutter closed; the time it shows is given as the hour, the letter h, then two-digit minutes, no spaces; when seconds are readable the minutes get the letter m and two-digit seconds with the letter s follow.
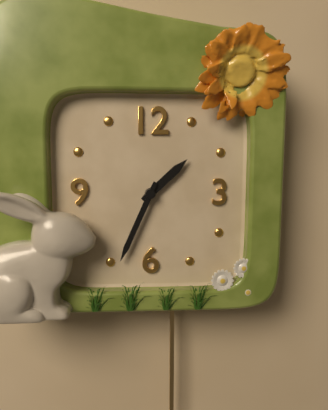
1h34
